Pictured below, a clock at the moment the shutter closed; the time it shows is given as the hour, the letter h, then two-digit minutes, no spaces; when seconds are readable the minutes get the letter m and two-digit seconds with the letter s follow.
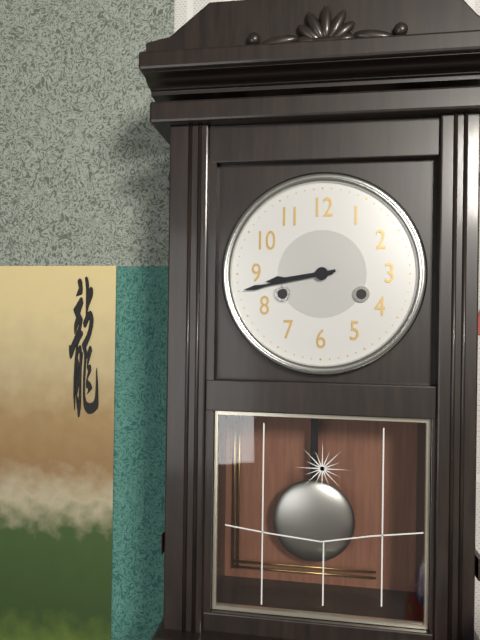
8h43
